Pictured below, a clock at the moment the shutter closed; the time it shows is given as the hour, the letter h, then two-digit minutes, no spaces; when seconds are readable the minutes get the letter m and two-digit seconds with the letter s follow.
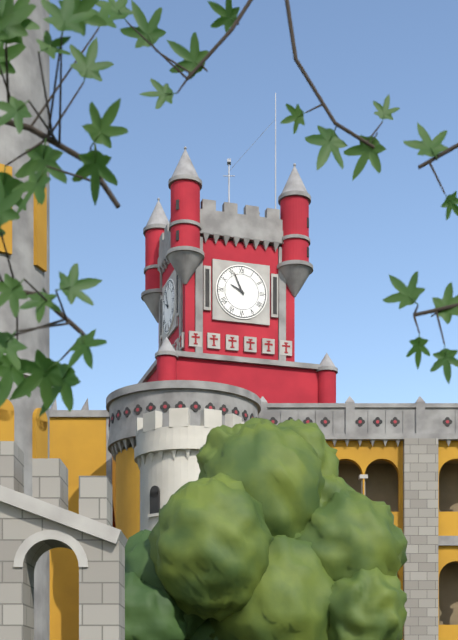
9h56
